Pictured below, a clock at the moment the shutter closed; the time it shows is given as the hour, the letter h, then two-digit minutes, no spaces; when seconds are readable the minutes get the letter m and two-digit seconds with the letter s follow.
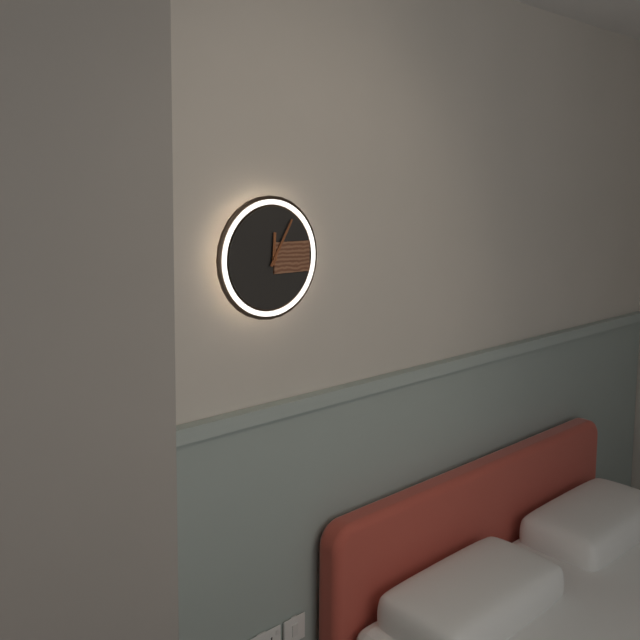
12h05
